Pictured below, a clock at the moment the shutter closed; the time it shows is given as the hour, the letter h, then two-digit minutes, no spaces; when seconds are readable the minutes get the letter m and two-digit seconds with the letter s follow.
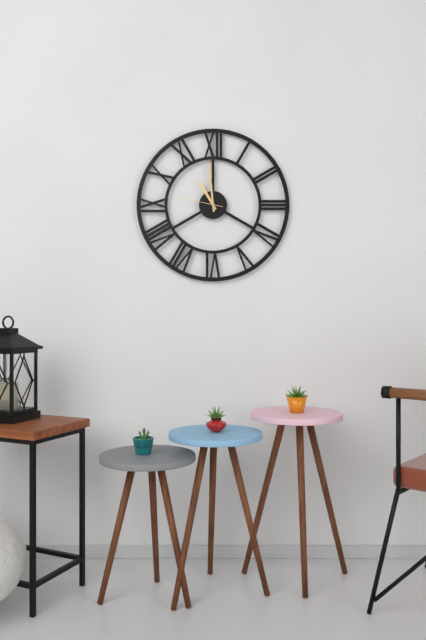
10h59
